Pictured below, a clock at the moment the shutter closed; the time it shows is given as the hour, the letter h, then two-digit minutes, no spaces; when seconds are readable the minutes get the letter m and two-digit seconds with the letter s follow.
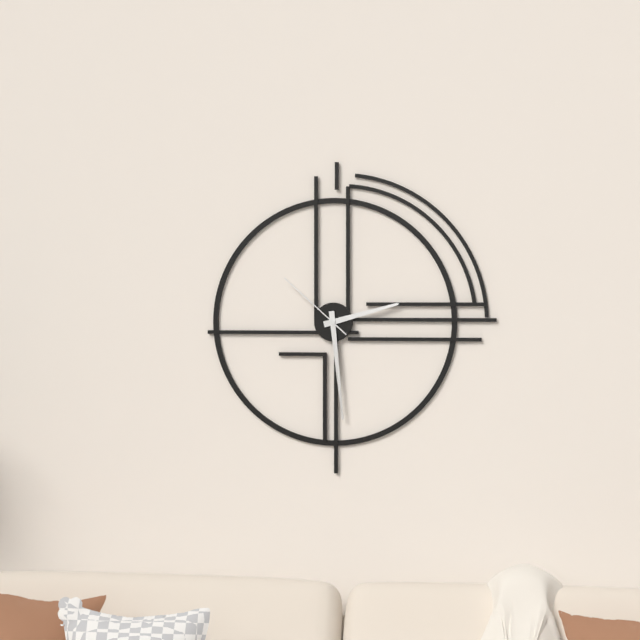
2h29m52s
